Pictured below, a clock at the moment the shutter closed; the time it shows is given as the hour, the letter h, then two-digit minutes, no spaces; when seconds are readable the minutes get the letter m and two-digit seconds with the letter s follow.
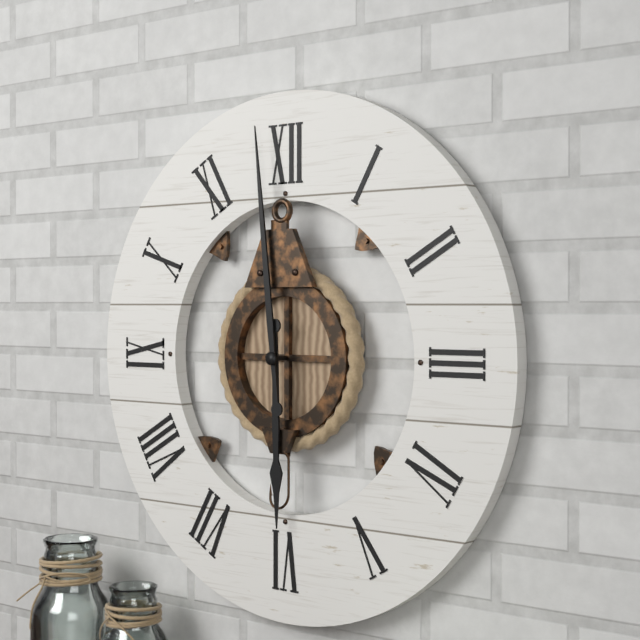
5h59
